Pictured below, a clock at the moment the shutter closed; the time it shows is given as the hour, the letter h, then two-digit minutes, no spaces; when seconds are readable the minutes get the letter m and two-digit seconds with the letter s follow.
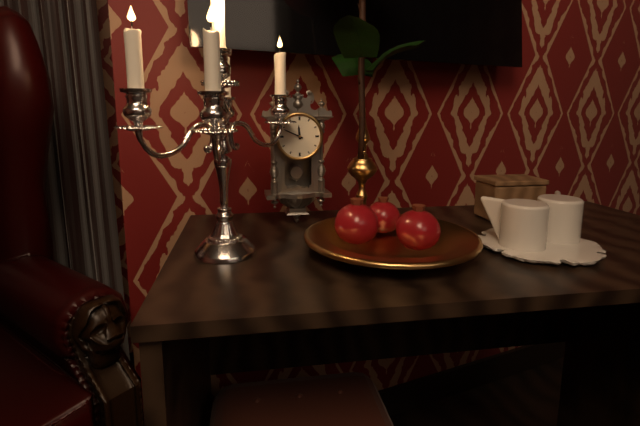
11h49
